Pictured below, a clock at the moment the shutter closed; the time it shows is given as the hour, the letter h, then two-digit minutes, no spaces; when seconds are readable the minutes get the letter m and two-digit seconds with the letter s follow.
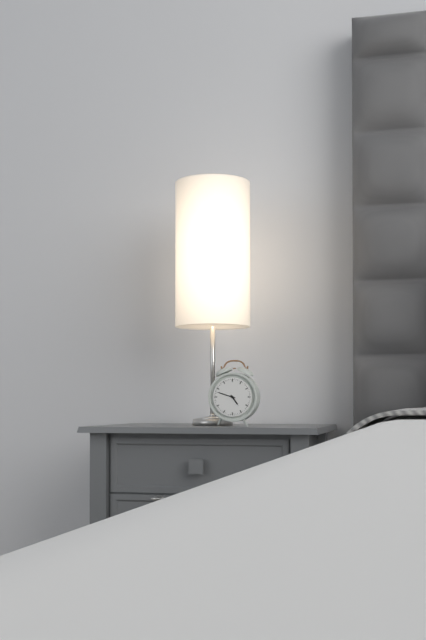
4h48
